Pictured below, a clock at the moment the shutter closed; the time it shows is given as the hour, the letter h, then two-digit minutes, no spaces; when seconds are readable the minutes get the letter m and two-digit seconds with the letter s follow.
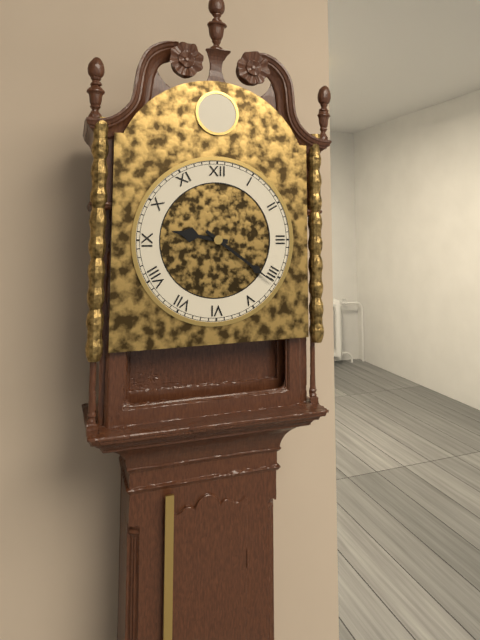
9h21
